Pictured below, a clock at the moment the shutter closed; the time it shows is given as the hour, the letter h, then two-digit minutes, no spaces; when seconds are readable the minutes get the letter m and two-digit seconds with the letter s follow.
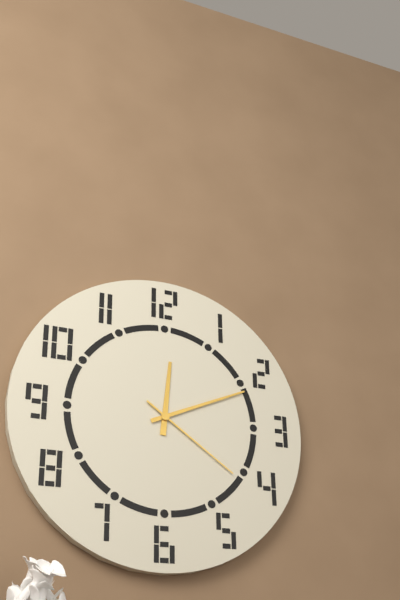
12h11m21s
